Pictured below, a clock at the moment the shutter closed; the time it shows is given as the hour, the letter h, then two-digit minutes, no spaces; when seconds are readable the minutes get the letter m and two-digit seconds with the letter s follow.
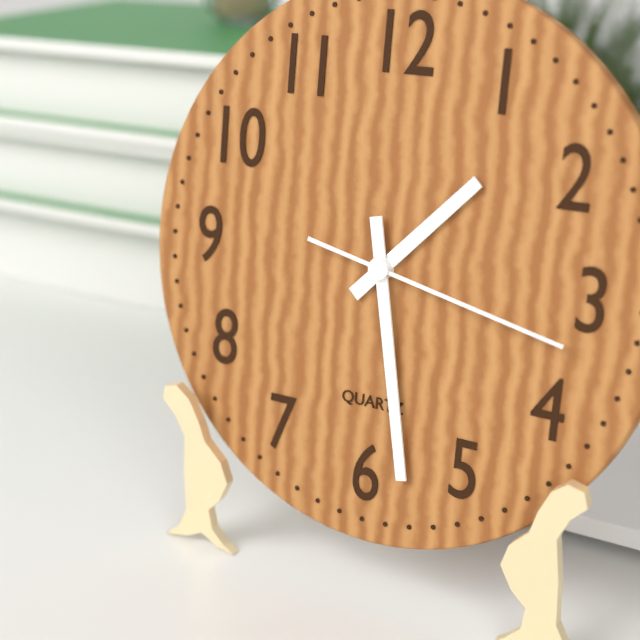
1h28m17s
